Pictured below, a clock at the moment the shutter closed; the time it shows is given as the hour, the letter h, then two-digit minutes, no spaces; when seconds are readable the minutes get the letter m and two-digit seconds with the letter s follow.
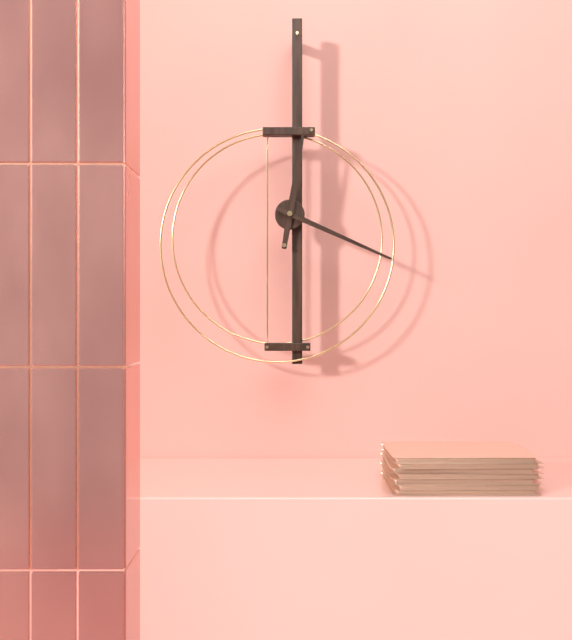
12h19
